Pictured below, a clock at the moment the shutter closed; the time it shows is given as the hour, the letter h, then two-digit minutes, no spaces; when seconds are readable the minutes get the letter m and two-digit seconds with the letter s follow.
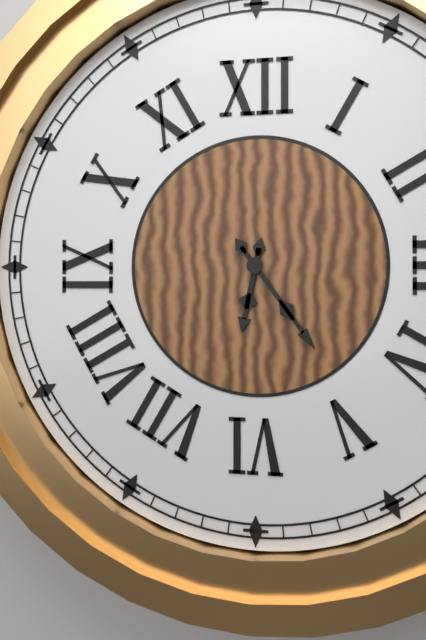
6h24
